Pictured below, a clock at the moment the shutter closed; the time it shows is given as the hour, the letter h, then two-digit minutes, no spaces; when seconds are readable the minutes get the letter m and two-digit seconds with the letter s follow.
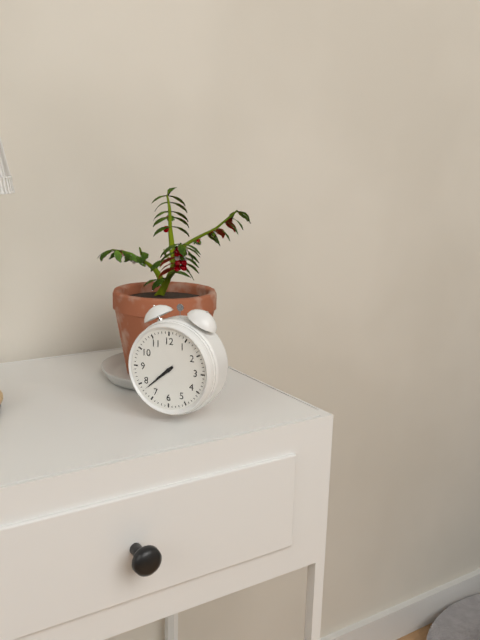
7h38
